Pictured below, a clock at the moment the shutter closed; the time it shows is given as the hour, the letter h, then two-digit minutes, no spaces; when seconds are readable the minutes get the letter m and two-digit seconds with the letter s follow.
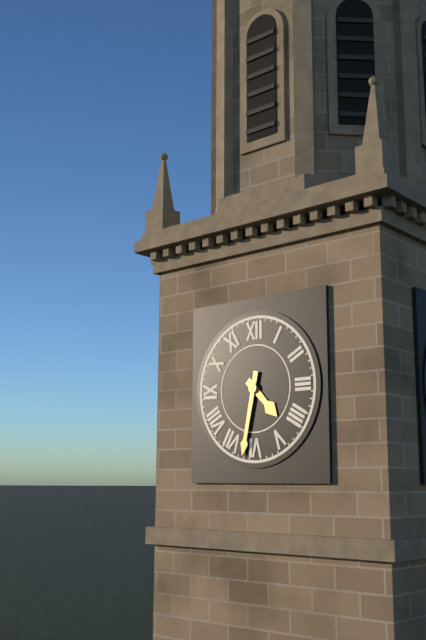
4h32
